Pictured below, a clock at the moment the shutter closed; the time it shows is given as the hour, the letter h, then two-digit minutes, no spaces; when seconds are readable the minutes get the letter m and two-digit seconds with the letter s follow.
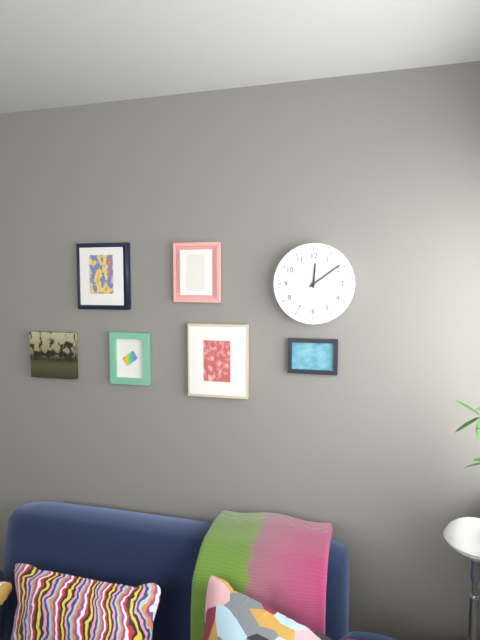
12h09
